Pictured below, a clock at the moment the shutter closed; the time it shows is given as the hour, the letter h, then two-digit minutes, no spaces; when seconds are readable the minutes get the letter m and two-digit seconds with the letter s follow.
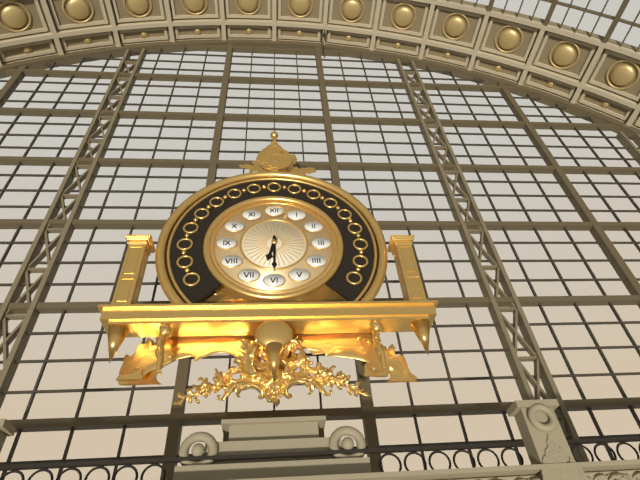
6h30
